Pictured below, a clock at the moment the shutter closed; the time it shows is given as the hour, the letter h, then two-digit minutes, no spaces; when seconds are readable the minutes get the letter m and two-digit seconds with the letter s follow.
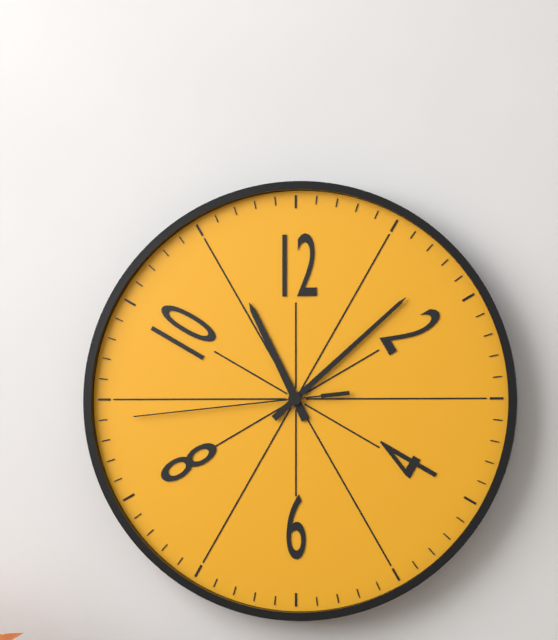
11h08m44s
